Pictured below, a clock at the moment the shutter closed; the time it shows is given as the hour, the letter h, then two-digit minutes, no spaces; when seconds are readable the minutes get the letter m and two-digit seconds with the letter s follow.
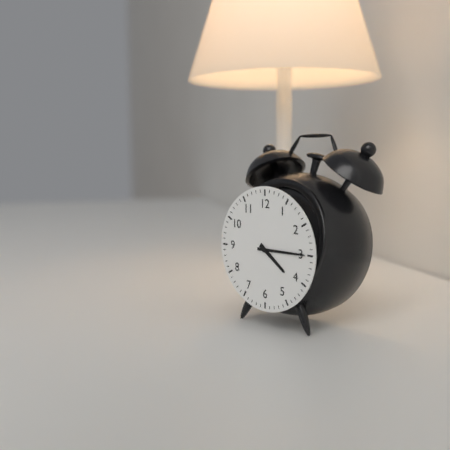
4h15
